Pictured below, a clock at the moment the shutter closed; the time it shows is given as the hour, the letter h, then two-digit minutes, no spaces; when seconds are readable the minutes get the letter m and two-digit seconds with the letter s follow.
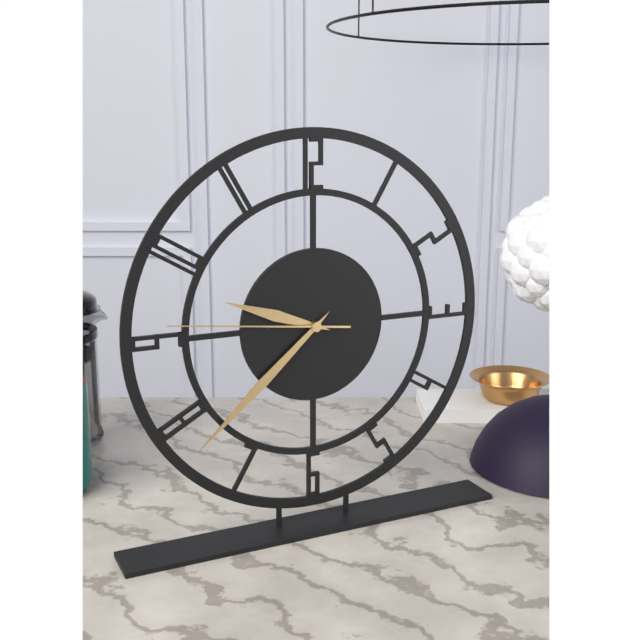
9h38m46s
